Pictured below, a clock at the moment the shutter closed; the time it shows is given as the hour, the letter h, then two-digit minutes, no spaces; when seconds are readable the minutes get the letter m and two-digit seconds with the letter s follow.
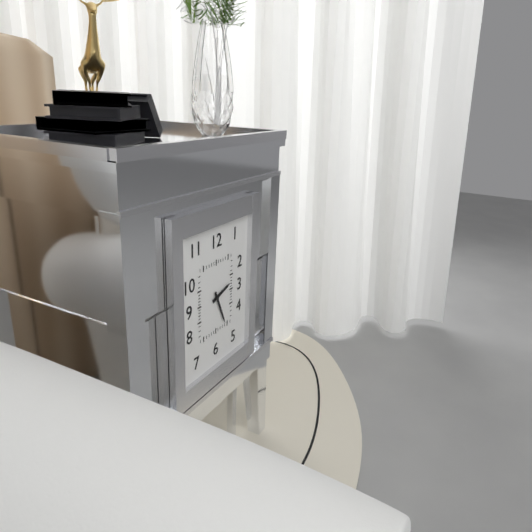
2h26
